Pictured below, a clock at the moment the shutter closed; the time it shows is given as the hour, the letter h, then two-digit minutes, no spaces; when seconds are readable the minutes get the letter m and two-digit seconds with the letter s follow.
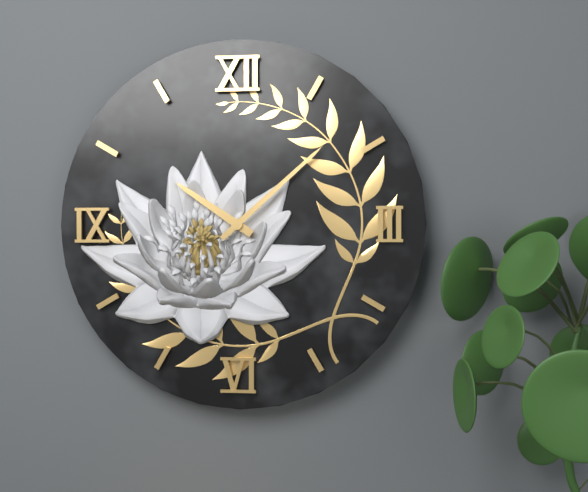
10h08
